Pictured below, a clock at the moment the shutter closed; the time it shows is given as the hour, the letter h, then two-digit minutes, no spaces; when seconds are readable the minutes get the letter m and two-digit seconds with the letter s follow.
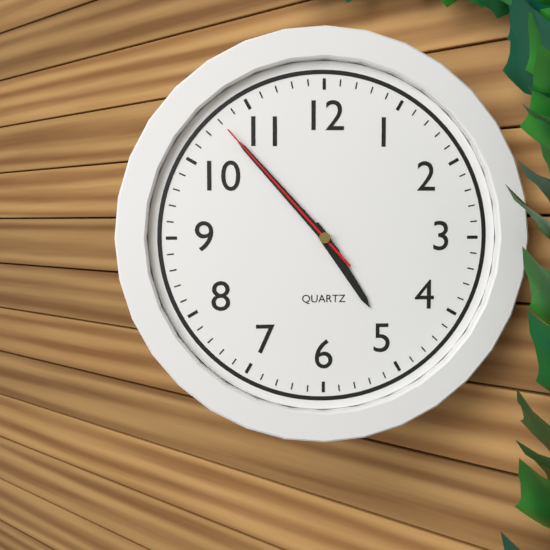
4h53m53s
